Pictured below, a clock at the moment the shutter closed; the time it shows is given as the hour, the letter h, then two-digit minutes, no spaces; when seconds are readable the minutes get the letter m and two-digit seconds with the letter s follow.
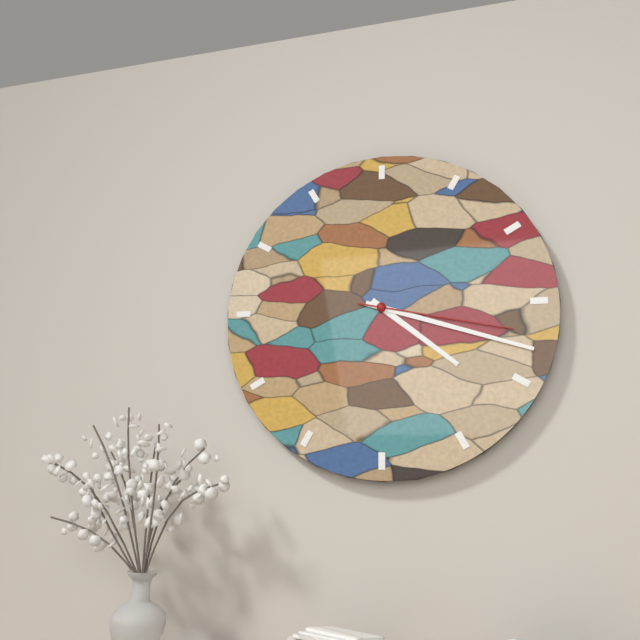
4h18m17s
